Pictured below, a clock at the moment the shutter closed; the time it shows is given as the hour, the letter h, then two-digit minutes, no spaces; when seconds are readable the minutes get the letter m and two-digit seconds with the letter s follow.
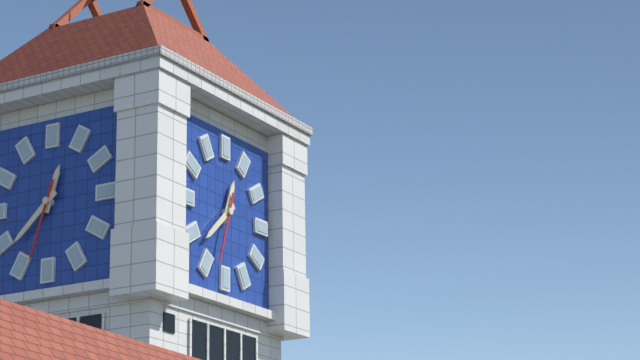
12h38m33s
